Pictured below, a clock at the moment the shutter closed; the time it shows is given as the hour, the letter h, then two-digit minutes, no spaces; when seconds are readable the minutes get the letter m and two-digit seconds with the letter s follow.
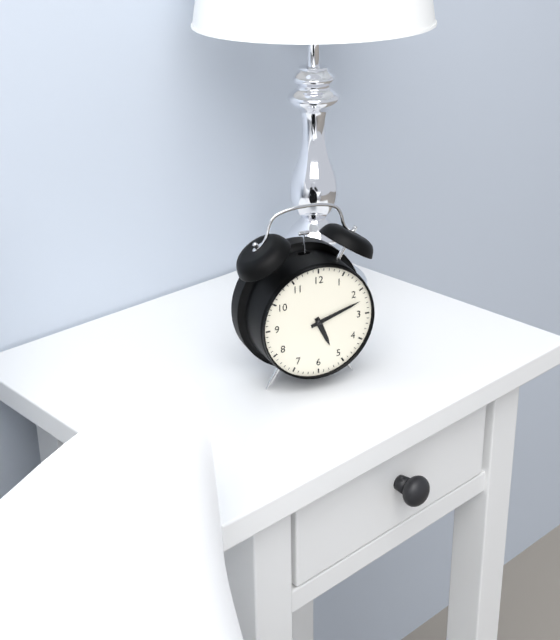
5h12
